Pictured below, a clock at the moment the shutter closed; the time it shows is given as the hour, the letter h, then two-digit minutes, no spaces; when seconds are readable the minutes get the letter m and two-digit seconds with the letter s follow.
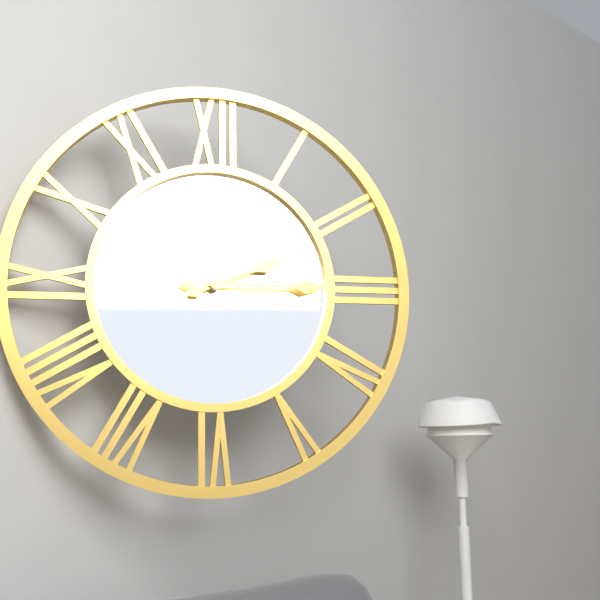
2h15
